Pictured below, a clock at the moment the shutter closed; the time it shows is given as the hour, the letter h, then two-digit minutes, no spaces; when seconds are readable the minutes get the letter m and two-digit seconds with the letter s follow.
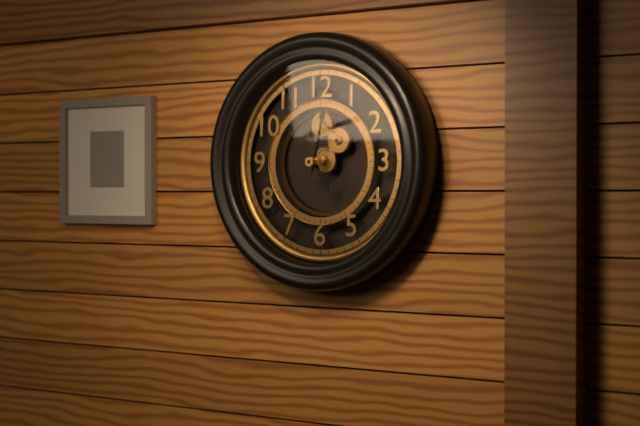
5h02m02s
